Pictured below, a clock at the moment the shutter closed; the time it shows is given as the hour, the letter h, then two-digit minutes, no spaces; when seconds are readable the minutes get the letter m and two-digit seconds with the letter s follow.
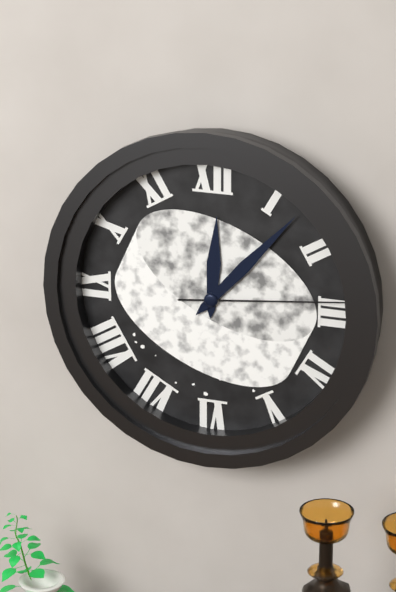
12h07m14s
